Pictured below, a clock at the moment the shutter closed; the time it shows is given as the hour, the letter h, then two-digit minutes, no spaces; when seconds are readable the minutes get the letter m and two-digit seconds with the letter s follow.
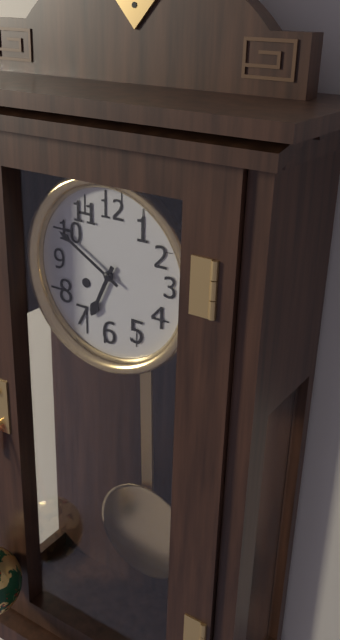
6h50
